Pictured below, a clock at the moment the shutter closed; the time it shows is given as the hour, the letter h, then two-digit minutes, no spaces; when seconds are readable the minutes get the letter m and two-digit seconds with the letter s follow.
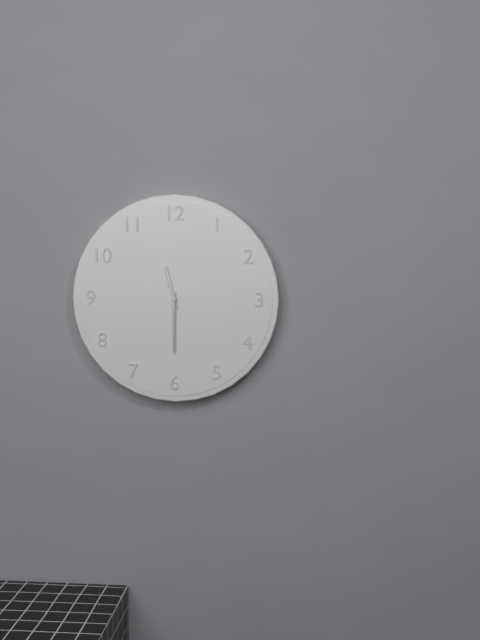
11h30
